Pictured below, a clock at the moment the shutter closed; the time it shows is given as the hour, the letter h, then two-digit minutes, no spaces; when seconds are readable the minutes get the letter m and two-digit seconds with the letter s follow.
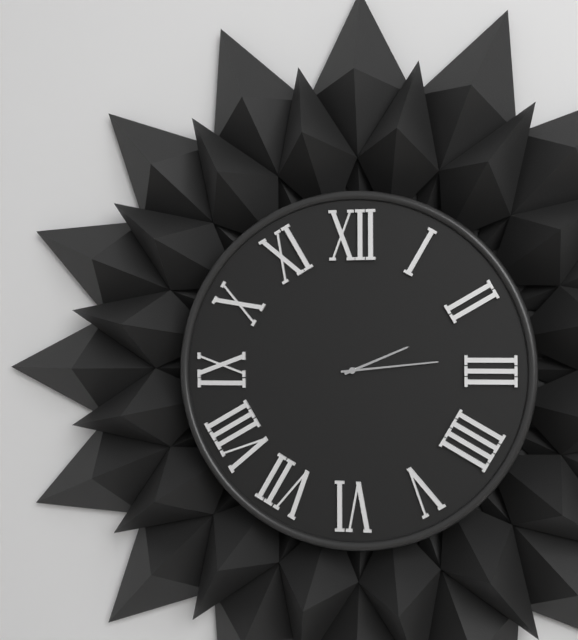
2h14
